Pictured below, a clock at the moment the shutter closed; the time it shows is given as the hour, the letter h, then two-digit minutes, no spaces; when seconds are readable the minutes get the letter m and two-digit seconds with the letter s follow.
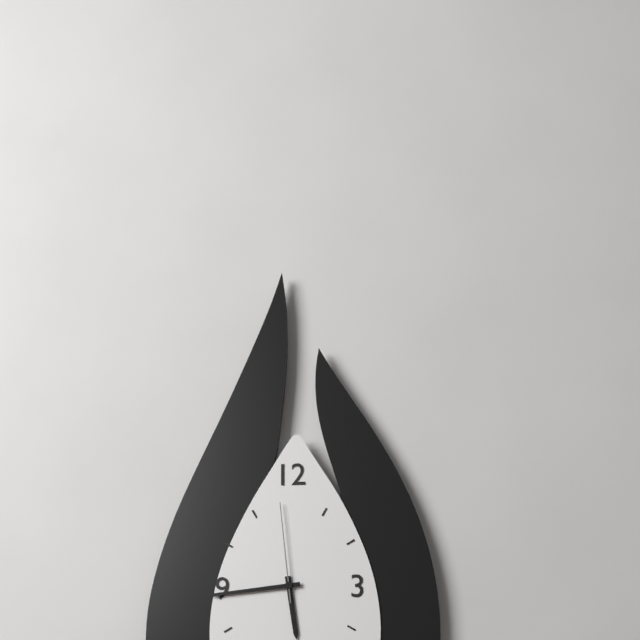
5h44m59s
